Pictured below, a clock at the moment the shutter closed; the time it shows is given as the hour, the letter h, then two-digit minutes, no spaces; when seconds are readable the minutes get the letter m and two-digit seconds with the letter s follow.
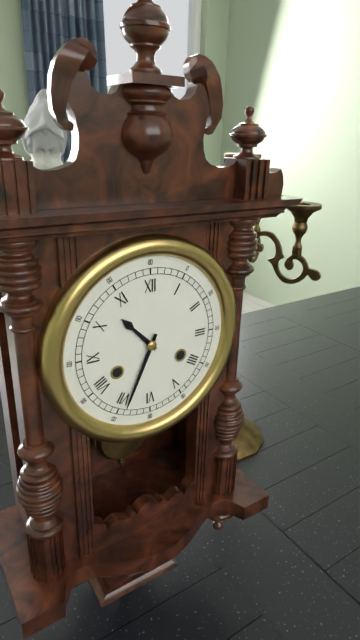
10h34
